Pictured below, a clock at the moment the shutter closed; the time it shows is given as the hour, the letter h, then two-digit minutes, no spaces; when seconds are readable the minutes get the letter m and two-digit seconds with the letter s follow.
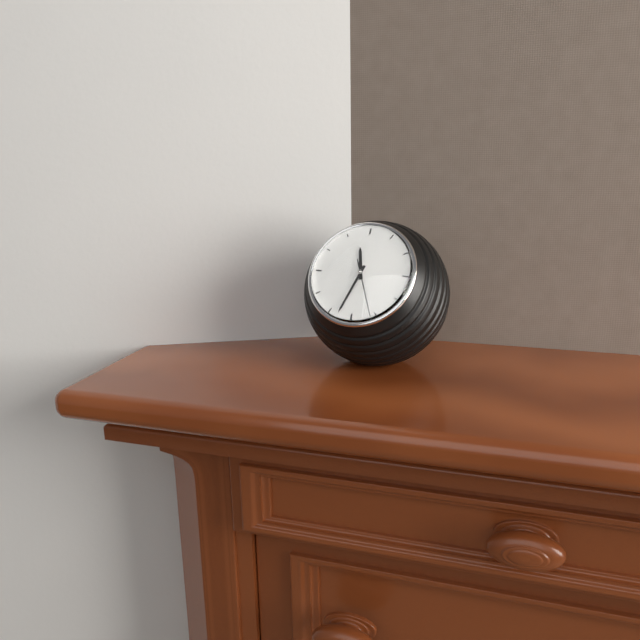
11h33
